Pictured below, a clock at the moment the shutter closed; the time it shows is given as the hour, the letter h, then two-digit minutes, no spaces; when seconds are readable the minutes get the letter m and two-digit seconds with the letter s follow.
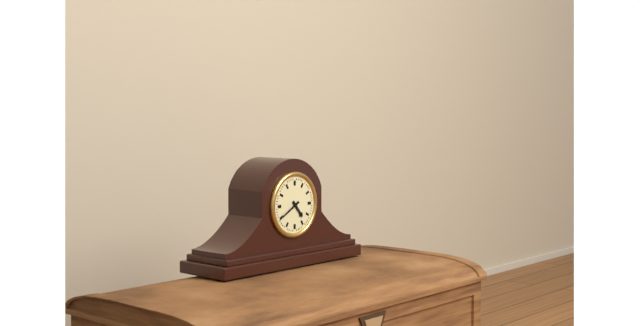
4h40
